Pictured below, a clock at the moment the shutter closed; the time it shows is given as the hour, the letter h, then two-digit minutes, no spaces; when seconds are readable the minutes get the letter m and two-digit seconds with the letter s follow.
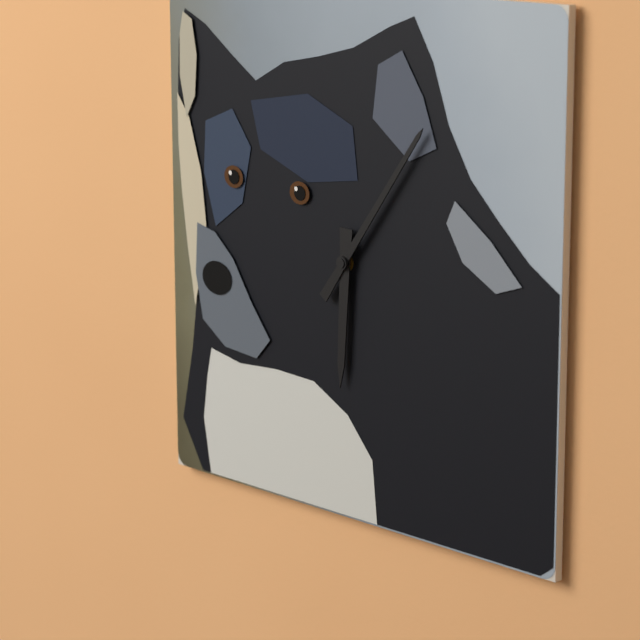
6h06
